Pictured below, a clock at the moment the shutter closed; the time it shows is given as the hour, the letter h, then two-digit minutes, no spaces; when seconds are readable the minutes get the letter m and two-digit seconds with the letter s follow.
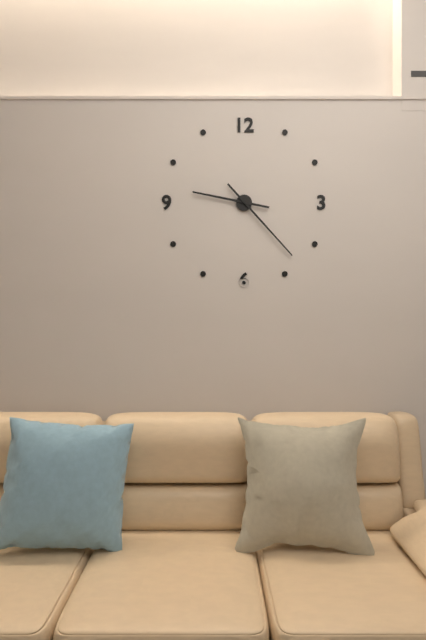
9h23
